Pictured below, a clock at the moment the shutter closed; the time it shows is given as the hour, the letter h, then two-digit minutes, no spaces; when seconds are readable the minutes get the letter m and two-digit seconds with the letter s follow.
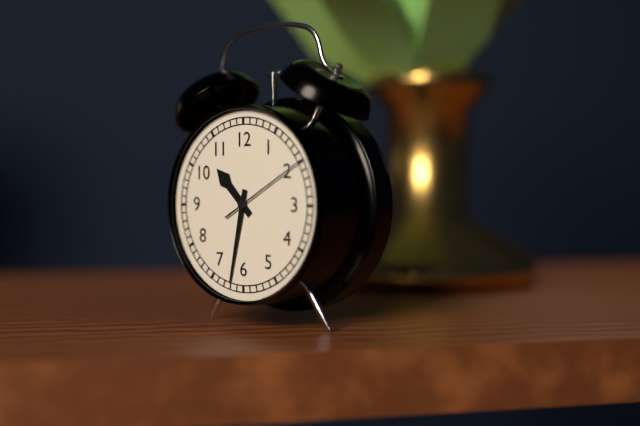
10h32m10s
